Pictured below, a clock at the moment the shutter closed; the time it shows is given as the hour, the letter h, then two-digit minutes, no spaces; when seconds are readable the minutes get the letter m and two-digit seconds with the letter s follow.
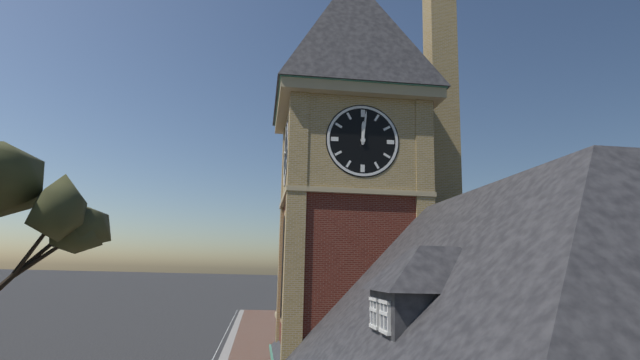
12h01
